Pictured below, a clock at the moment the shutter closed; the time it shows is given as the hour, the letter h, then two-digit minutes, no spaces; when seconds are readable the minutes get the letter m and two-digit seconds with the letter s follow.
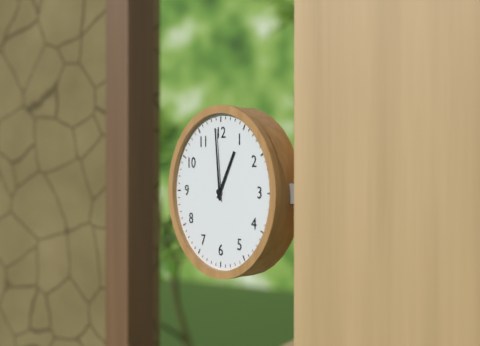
12h59
